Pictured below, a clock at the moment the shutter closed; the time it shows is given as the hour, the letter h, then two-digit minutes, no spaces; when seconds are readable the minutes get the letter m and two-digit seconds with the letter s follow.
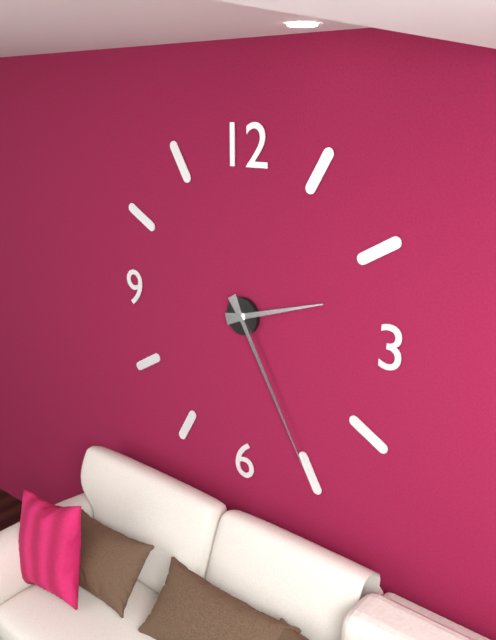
2h25
